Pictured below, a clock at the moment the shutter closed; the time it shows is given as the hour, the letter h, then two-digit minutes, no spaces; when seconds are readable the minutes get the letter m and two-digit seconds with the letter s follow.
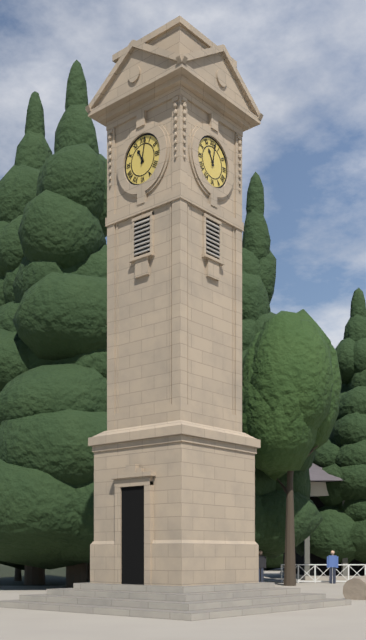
11h02
